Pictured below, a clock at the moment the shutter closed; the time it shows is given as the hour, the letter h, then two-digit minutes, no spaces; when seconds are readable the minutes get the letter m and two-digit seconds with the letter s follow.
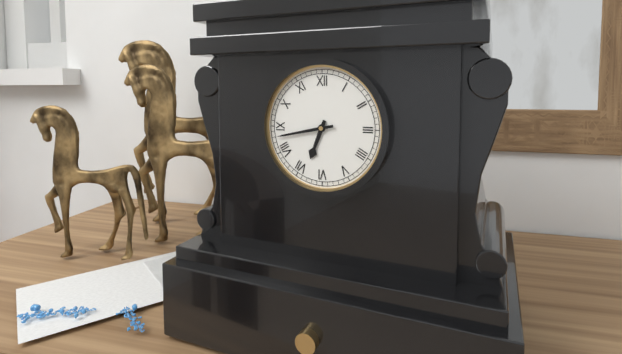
6h43
